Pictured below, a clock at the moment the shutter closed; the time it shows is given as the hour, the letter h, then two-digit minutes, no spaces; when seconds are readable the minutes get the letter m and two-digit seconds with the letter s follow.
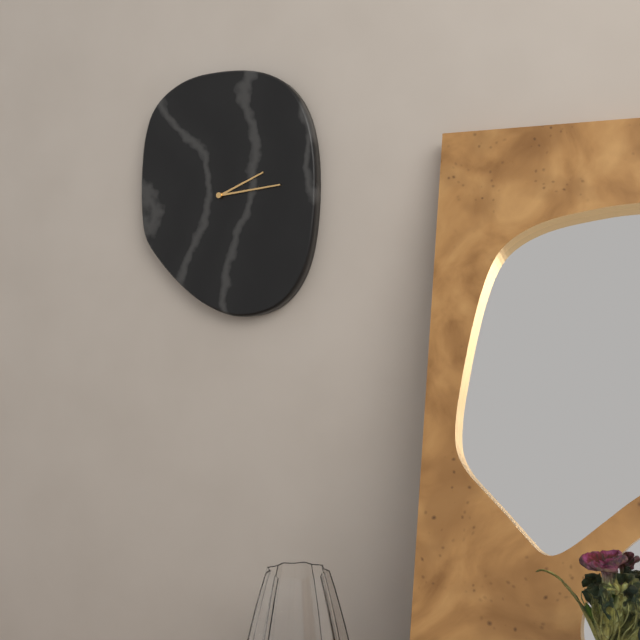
2h14
